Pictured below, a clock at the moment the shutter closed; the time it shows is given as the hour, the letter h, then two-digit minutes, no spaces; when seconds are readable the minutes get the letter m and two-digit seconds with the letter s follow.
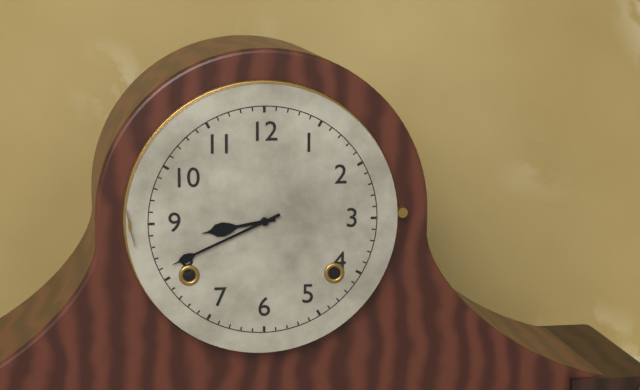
8h41
